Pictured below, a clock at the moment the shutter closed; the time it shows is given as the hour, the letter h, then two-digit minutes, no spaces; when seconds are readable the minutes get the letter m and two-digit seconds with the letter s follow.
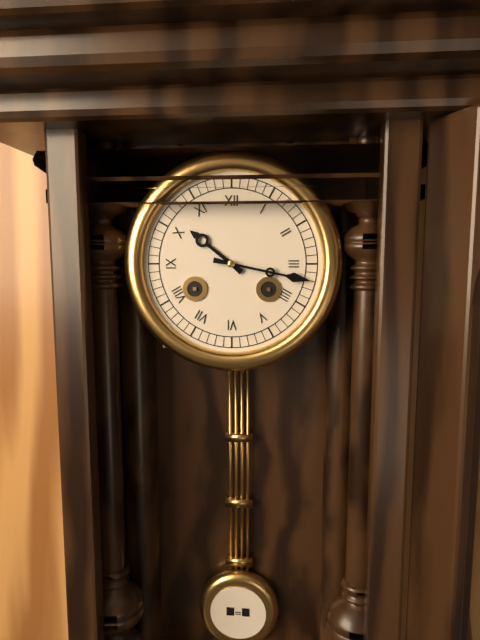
10h17
